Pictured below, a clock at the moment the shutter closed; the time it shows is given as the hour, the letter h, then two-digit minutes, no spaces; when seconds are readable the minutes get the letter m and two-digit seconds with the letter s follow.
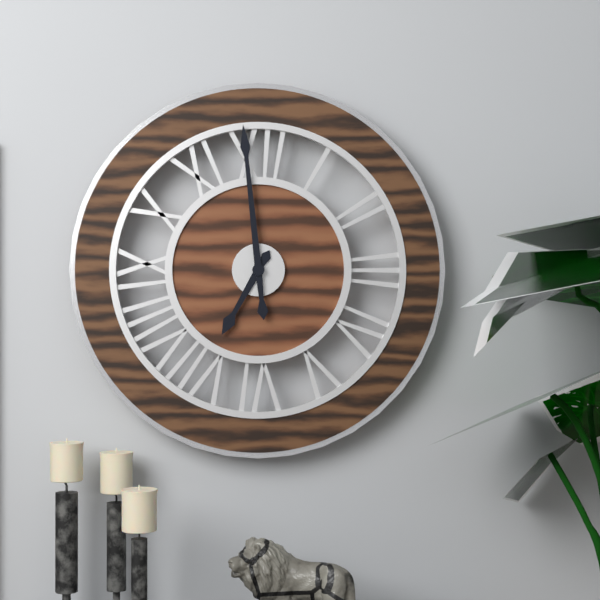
6h59
